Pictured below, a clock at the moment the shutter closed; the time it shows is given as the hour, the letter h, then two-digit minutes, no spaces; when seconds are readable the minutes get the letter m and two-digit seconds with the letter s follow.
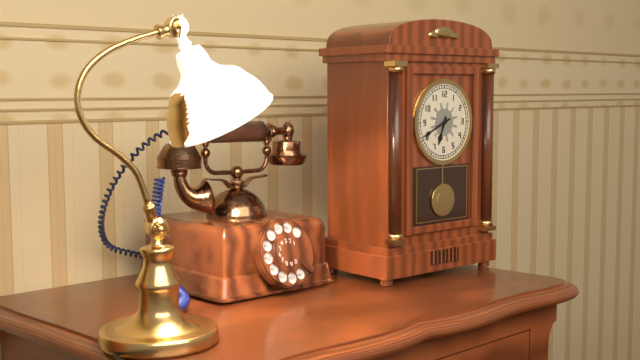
6h41
